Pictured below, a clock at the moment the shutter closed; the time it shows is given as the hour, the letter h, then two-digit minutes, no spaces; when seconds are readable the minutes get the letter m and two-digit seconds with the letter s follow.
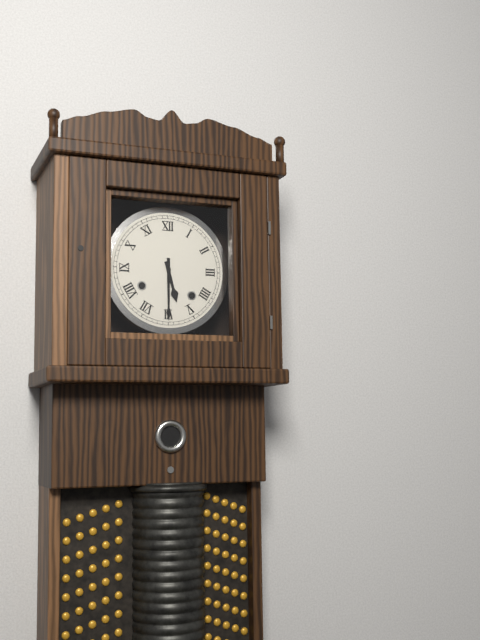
5h30
